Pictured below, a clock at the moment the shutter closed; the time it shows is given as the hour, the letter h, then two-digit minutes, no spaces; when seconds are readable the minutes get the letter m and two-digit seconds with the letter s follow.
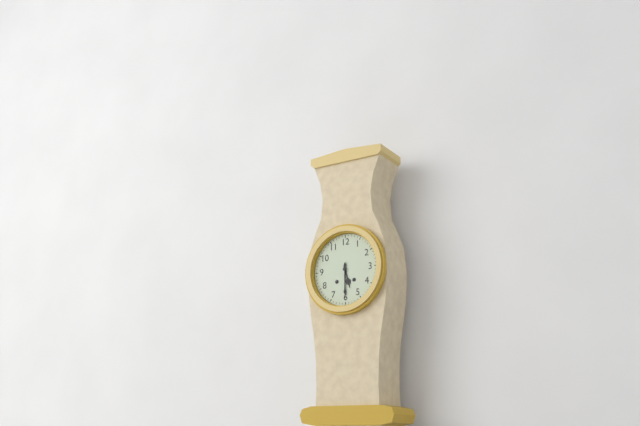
5h30
